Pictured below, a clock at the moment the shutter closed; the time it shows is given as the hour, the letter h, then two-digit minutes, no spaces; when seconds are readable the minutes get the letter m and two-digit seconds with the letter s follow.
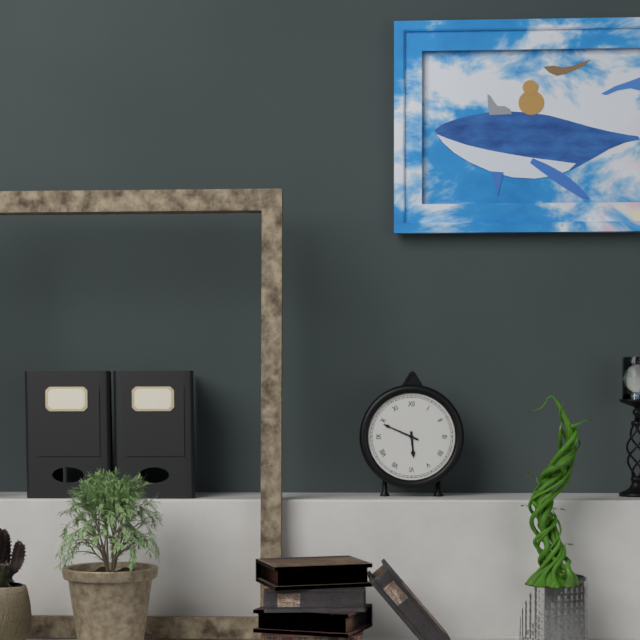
5h49
